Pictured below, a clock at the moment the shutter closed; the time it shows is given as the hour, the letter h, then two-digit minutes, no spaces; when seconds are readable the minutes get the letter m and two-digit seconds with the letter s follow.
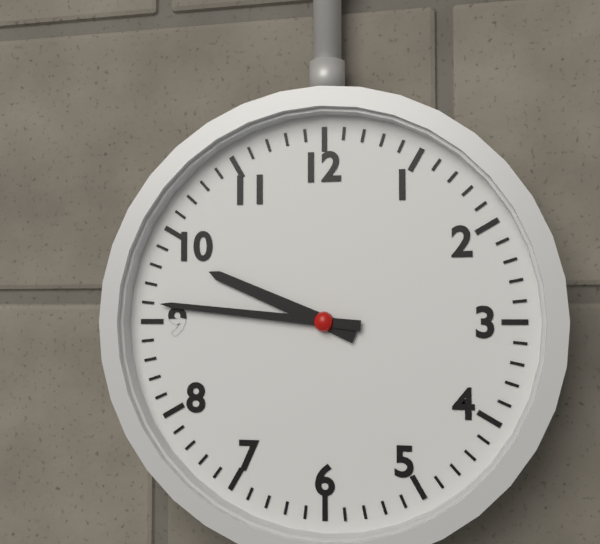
9h46
